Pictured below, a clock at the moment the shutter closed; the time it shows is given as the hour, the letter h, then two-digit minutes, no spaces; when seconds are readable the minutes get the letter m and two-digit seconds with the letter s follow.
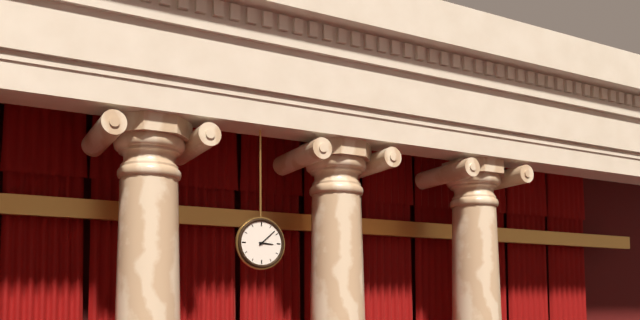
3h08
